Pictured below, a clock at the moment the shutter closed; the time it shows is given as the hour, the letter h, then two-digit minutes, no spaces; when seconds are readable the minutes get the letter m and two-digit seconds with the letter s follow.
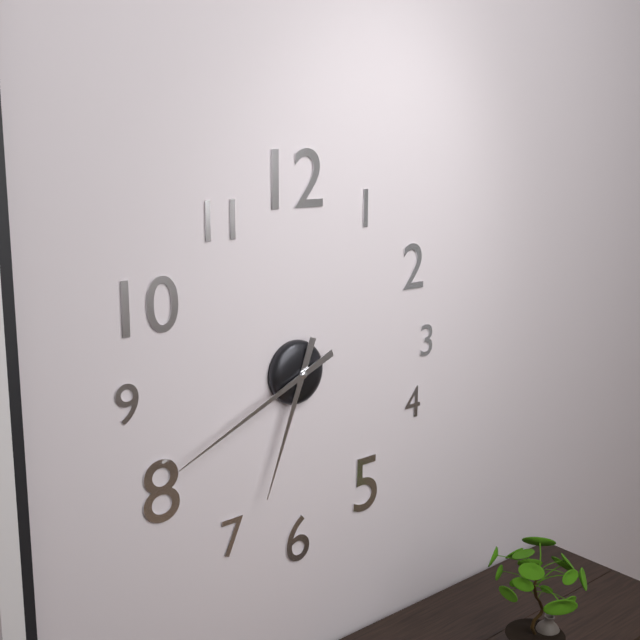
6h41
